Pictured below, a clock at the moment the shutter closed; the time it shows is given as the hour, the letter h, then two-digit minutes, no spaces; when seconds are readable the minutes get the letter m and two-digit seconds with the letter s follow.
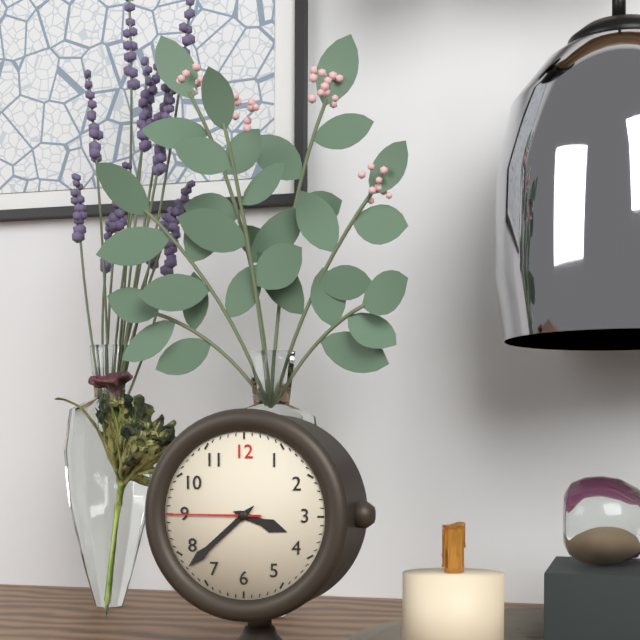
3h38m45s
